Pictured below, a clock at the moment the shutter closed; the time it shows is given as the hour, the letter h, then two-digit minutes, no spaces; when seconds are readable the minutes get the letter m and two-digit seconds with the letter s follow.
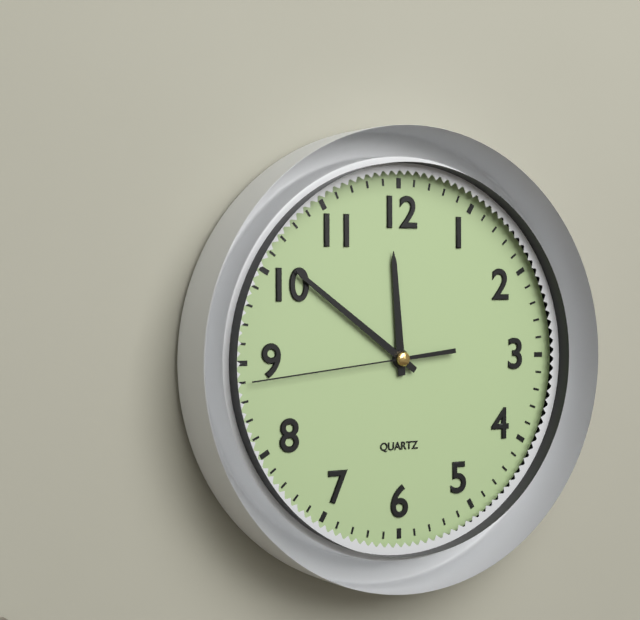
11h51m44s
